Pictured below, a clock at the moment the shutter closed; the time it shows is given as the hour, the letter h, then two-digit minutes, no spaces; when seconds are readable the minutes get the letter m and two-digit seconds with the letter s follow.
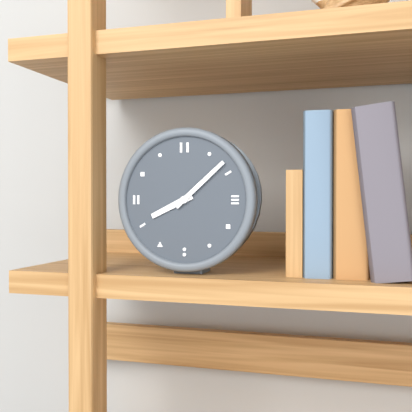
8h08
